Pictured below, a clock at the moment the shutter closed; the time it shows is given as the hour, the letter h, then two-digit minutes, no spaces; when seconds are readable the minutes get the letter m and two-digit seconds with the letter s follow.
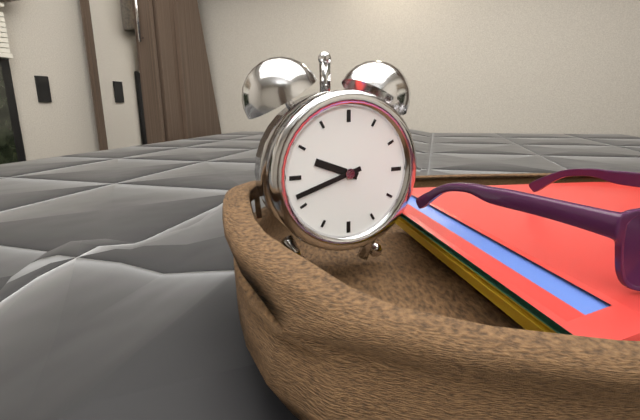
9h42
